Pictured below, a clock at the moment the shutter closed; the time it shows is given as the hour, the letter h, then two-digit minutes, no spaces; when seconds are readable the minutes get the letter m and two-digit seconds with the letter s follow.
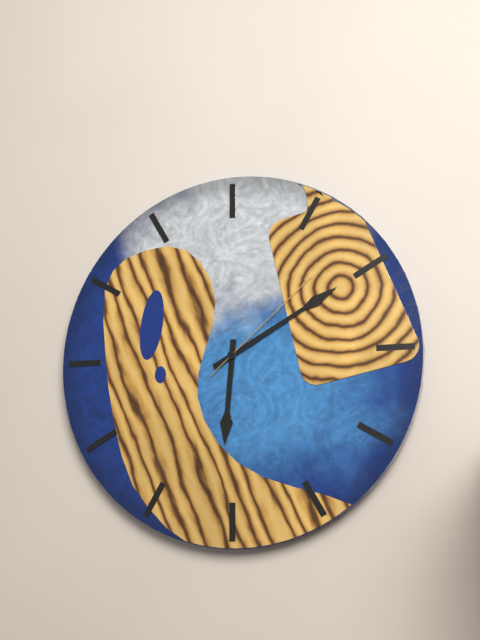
6h10m08s
